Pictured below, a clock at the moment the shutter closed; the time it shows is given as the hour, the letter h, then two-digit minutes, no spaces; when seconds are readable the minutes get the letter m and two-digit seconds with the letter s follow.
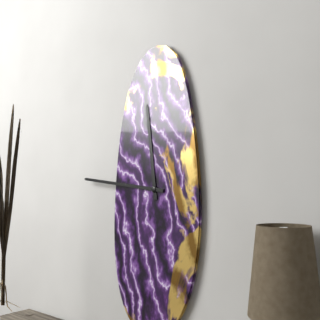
11h46
